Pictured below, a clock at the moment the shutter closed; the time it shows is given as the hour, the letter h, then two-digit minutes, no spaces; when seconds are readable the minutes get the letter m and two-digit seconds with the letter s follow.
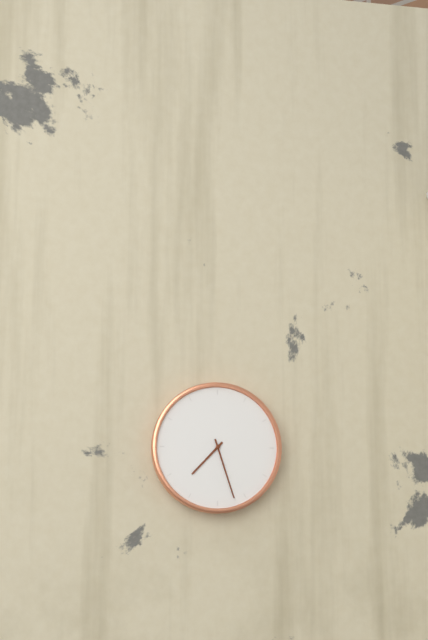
7h27
